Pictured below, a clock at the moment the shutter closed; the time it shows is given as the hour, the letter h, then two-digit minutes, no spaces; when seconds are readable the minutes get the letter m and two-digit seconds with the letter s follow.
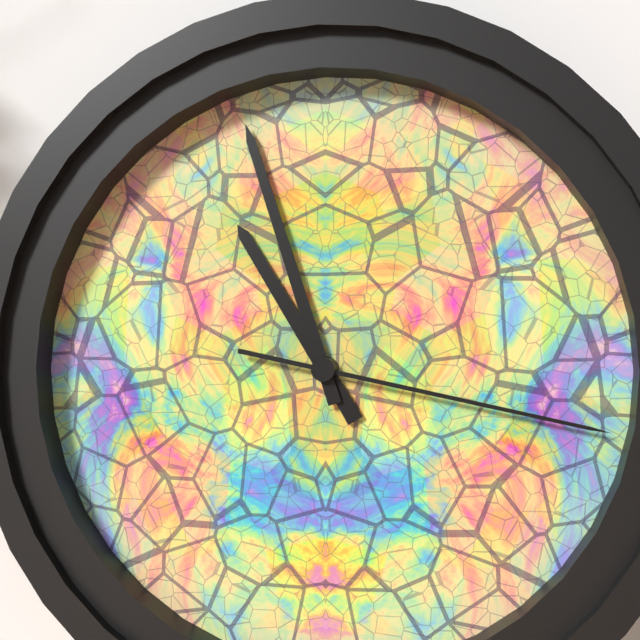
10h57m17s
